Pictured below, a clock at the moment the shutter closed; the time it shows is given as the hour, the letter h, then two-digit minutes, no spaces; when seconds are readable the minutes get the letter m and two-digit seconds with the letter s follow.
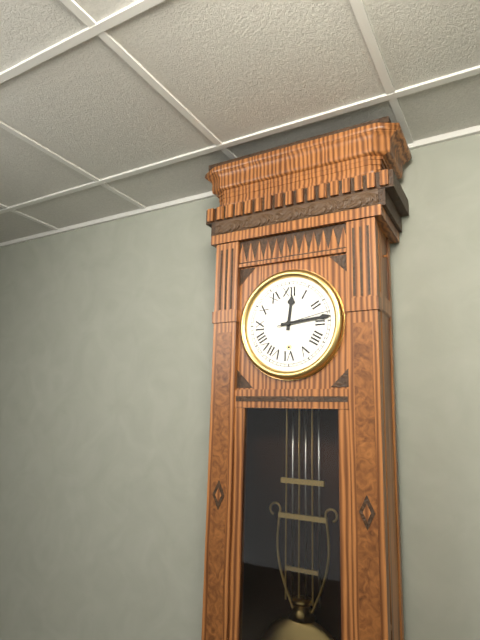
12h14
